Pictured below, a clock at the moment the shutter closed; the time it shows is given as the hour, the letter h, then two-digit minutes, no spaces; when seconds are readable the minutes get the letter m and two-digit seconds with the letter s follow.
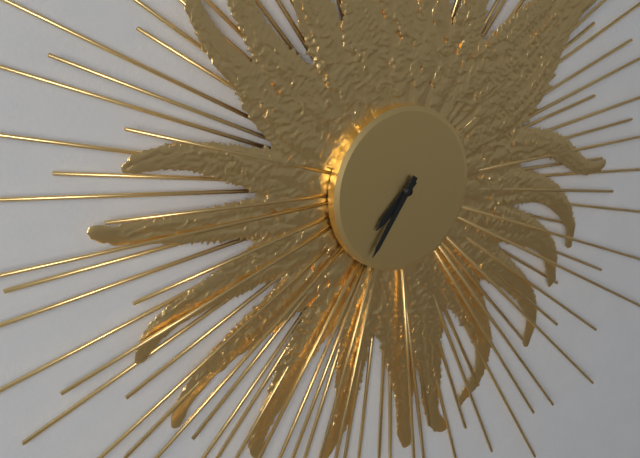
7h36
